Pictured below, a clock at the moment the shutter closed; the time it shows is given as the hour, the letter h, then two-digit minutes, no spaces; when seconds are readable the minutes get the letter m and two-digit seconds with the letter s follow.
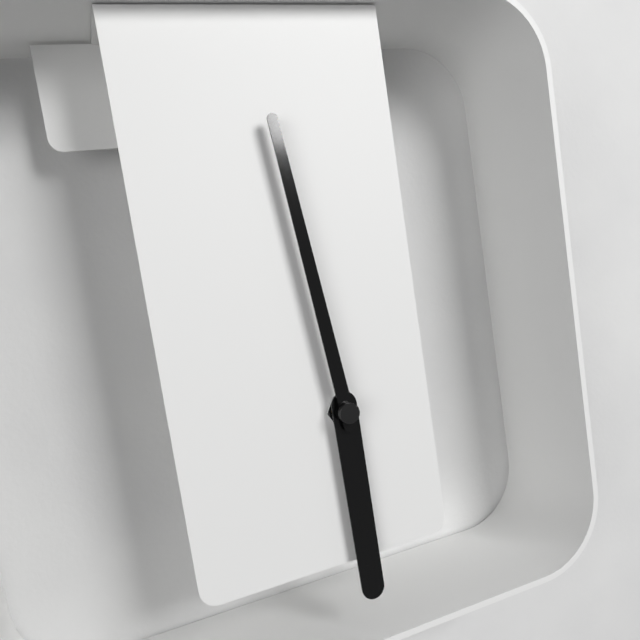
5h59
